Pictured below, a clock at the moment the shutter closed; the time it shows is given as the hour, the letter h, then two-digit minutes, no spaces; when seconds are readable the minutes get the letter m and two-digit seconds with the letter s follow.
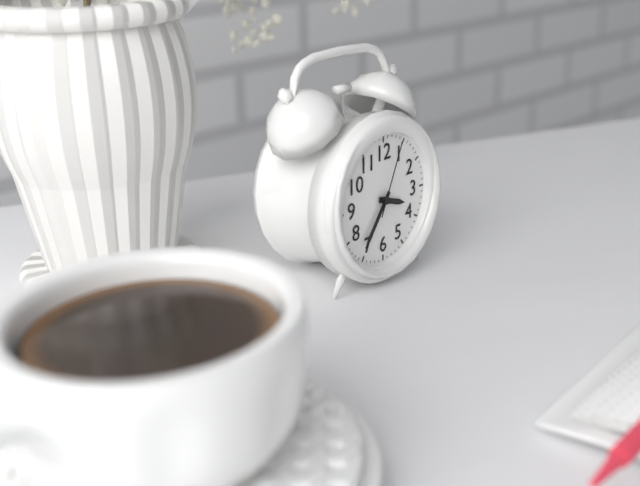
3h36m04s
